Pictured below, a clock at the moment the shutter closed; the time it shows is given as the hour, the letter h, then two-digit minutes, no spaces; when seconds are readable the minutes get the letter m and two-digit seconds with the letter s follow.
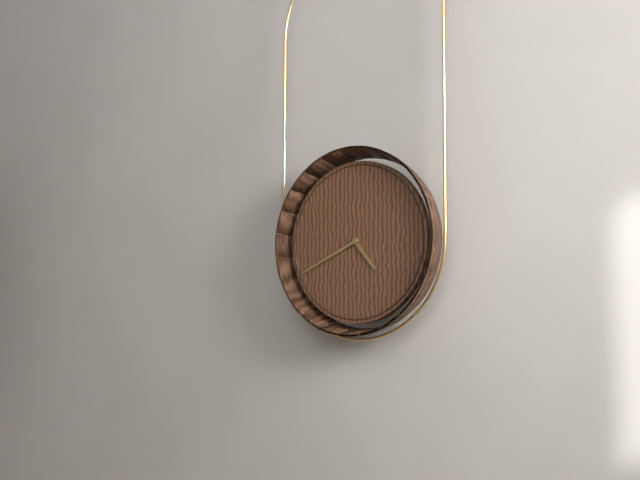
4h41
